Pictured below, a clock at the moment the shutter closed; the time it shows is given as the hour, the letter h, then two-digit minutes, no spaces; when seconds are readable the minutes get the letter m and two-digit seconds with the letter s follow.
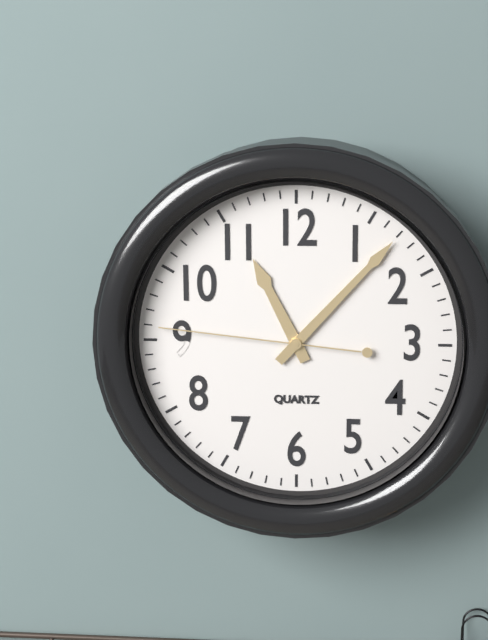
11h07m46s
